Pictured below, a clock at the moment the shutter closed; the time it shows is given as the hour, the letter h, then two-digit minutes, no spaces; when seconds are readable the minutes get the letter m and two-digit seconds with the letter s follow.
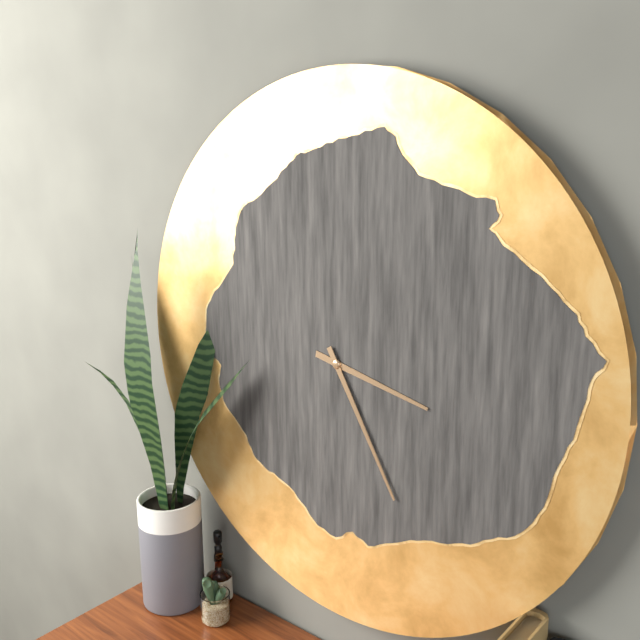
3h25
